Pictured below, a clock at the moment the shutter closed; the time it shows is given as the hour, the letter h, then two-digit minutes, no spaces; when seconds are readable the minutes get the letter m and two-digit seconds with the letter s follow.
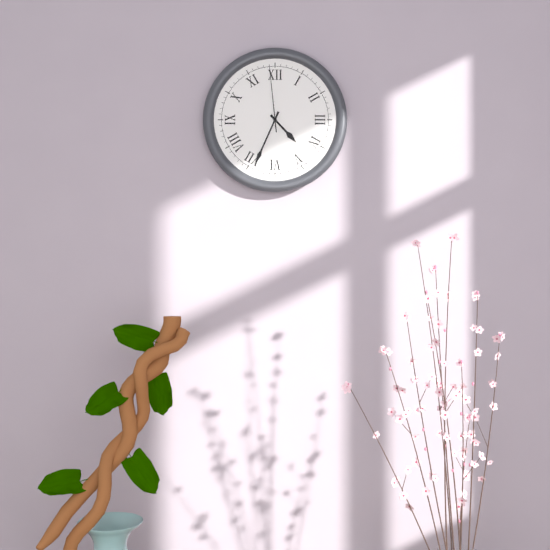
4h34m59s
